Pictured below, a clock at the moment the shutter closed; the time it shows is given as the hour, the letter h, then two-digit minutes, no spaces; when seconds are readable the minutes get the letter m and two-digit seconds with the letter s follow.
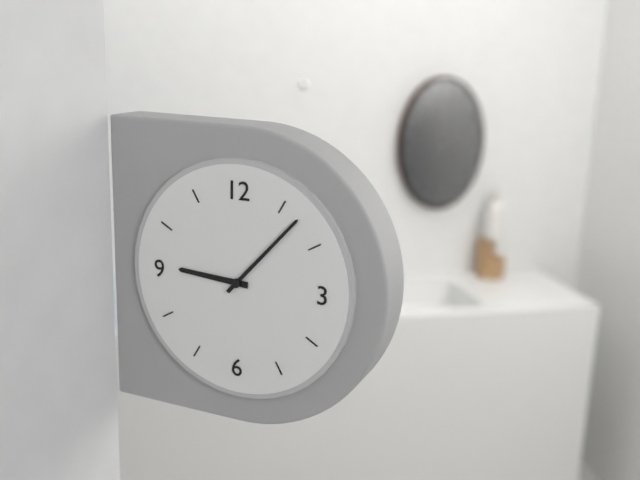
9h07
